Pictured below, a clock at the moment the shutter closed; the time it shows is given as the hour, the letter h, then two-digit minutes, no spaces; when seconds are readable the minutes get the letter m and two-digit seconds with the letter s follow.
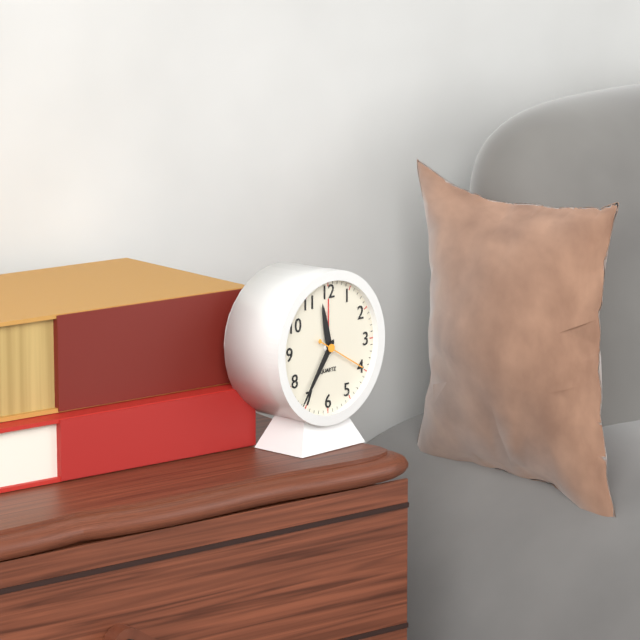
11h36
